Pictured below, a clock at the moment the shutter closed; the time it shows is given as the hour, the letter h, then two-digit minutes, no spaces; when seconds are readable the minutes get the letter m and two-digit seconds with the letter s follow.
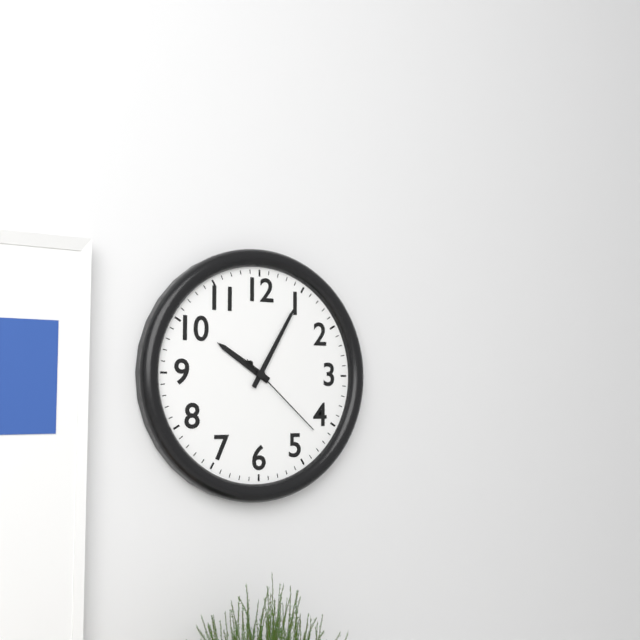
10h05m22s
